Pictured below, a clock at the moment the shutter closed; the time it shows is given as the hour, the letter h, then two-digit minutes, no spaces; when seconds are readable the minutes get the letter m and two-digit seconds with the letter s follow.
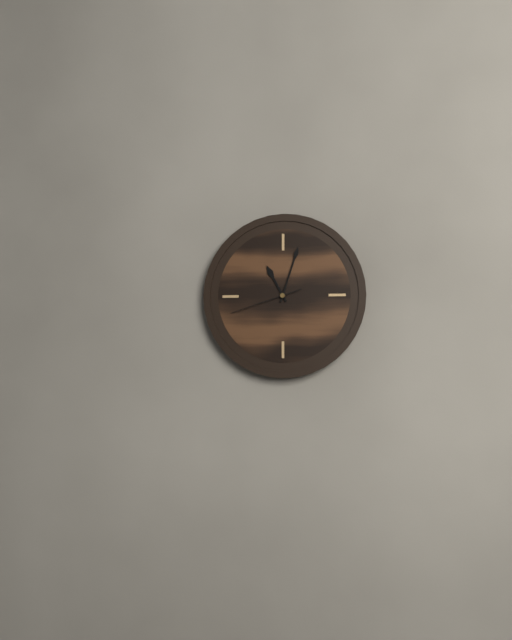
11h03m42s
